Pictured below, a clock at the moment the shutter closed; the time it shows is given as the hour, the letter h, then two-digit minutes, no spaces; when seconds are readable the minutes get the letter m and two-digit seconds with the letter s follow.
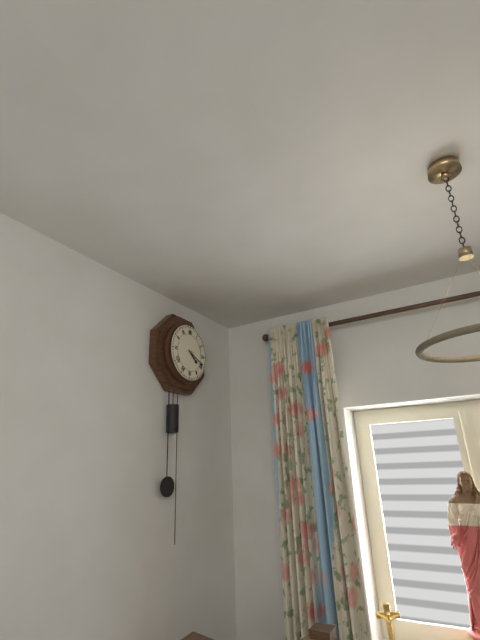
4h19
